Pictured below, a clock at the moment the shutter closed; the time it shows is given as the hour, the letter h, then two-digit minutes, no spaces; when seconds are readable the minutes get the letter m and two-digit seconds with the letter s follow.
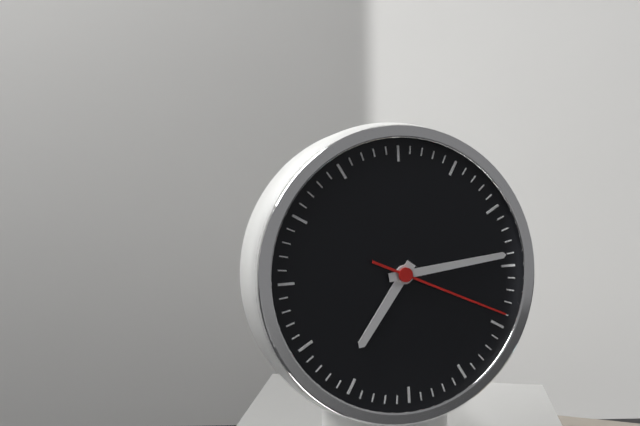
7h14m19s
